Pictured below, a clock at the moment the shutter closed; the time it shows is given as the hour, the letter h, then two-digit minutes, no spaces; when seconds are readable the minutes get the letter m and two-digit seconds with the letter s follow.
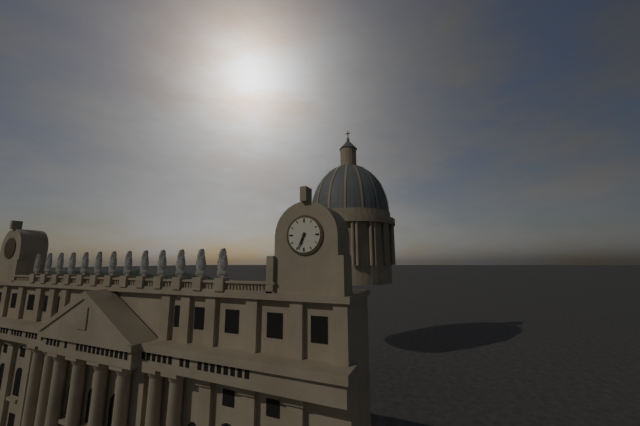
6h34
